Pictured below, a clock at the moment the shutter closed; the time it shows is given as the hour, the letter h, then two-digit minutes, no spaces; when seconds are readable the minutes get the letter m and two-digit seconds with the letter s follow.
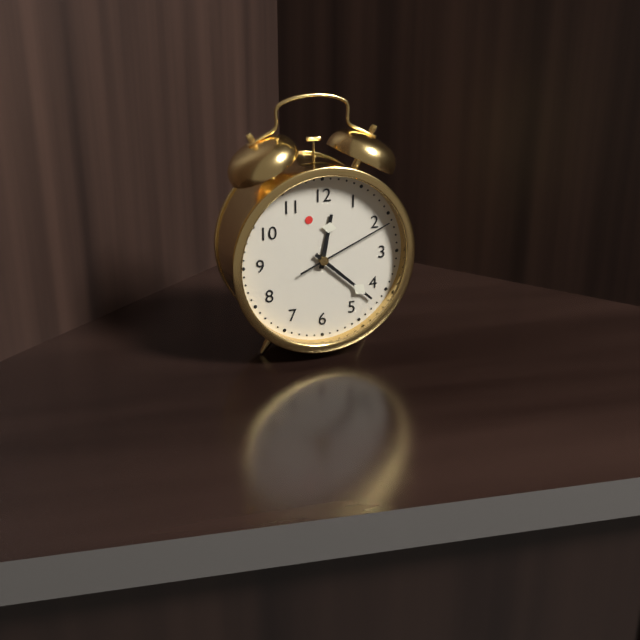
12h22m11s
